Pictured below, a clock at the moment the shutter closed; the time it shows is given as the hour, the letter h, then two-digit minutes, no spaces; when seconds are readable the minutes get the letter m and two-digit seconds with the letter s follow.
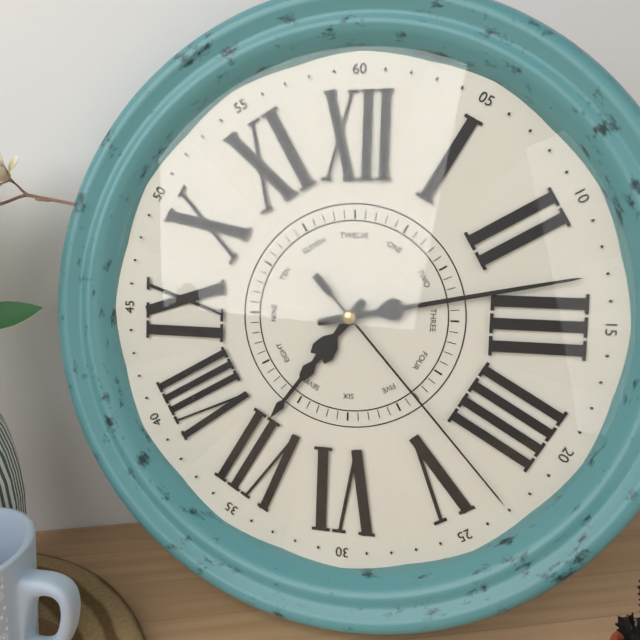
7h13m23s
